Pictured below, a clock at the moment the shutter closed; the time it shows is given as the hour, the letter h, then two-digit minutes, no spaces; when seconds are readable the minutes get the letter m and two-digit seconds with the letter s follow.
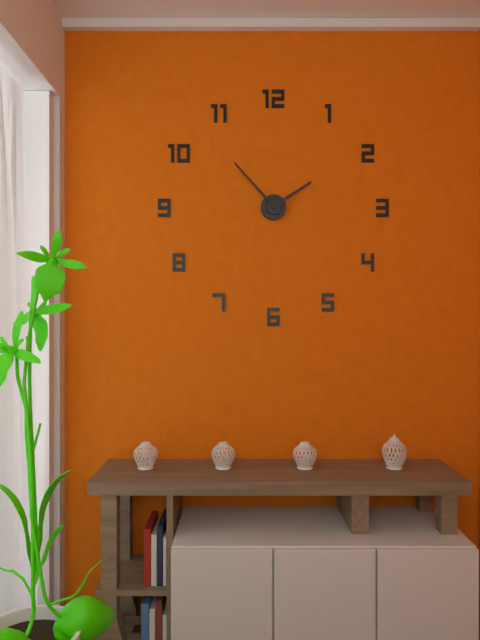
1h53
